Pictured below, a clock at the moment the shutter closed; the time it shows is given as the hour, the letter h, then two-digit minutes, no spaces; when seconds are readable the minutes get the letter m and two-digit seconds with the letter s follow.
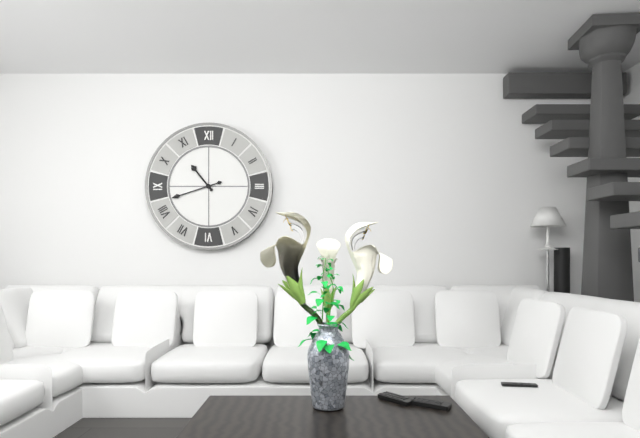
10h42
